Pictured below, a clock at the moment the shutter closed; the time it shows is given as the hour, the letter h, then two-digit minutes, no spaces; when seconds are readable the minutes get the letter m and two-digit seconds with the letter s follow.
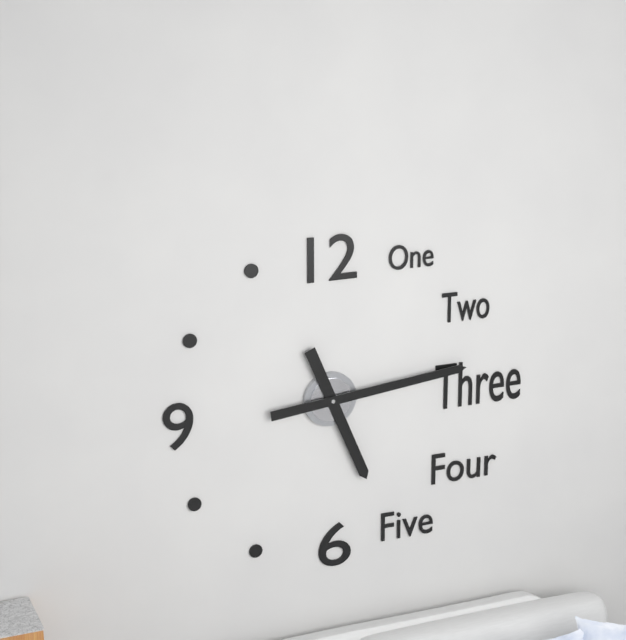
5h14
